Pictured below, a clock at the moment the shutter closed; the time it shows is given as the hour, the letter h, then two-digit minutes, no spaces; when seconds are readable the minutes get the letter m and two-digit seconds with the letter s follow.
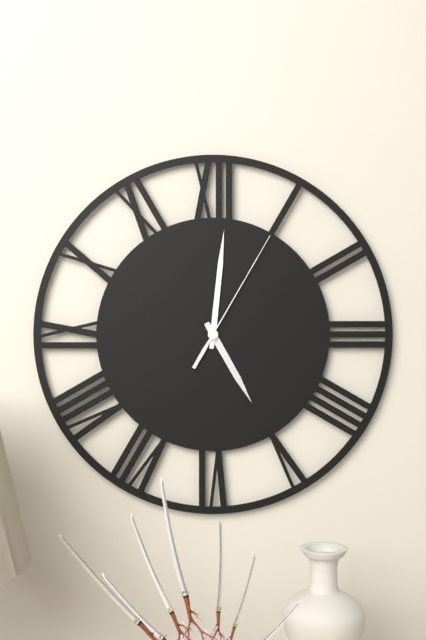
5h01m05s
